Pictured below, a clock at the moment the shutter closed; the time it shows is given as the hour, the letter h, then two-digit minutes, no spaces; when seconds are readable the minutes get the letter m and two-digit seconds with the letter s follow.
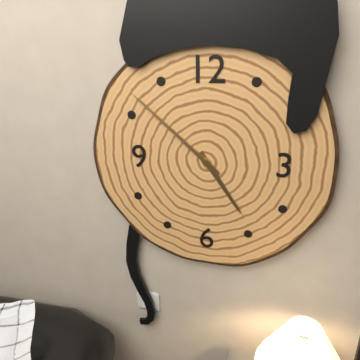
4h52
